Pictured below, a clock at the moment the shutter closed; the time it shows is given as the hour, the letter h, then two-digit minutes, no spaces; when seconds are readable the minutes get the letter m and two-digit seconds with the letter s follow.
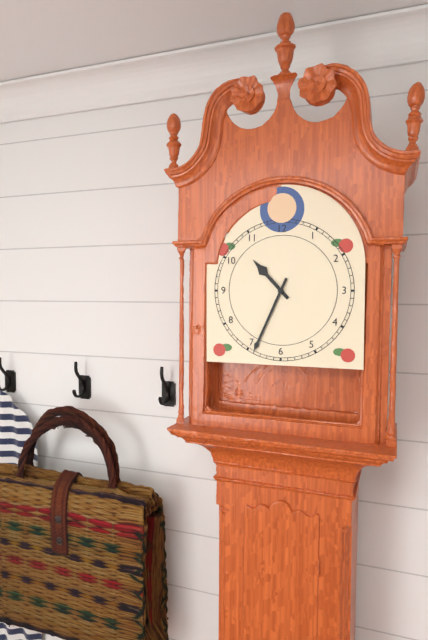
10h34
